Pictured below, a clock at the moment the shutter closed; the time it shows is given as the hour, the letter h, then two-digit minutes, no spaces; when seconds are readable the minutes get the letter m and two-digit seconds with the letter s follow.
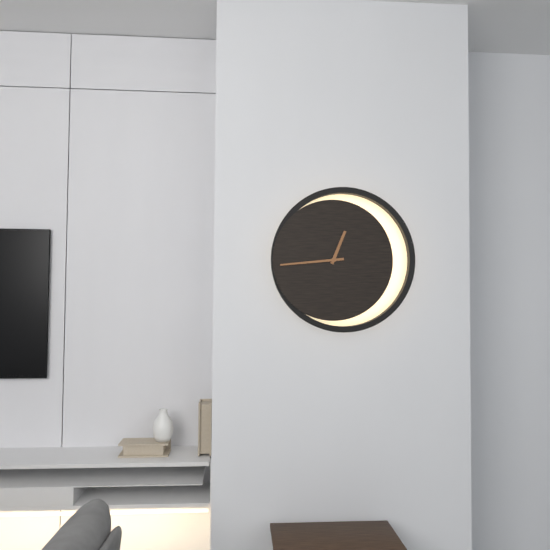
12h44
